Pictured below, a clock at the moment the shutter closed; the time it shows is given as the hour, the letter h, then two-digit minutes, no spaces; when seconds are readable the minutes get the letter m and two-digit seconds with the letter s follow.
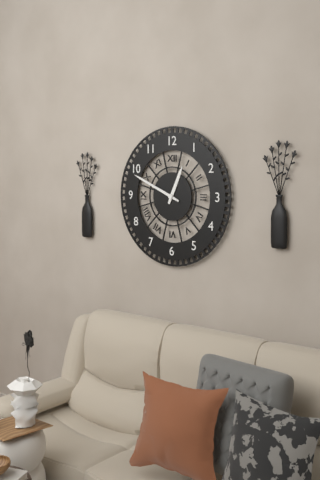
12h49
